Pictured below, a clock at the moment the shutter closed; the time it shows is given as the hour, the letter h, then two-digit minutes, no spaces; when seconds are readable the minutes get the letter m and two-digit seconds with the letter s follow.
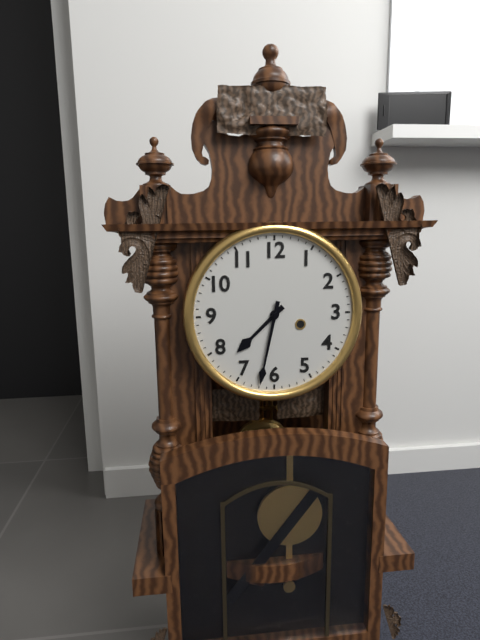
7h32
